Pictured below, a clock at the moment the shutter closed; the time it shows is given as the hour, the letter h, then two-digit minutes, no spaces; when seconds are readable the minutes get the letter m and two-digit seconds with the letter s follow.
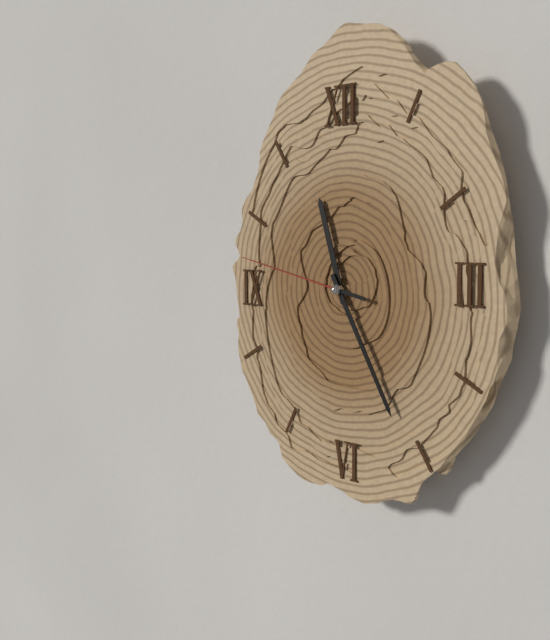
11h25m47s
